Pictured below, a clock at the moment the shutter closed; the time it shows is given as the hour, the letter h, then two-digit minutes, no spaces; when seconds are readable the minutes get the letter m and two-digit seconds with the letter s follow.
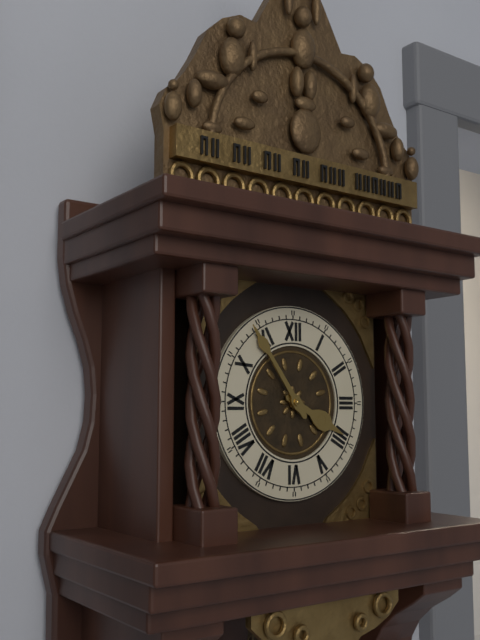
3h54
